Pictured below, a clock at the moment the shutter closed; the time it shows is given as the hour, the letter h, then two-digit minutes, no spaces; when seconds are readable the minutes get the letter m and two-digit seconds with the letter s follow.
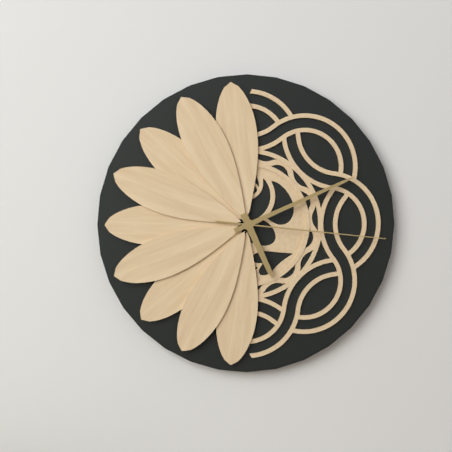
5h11m16s
